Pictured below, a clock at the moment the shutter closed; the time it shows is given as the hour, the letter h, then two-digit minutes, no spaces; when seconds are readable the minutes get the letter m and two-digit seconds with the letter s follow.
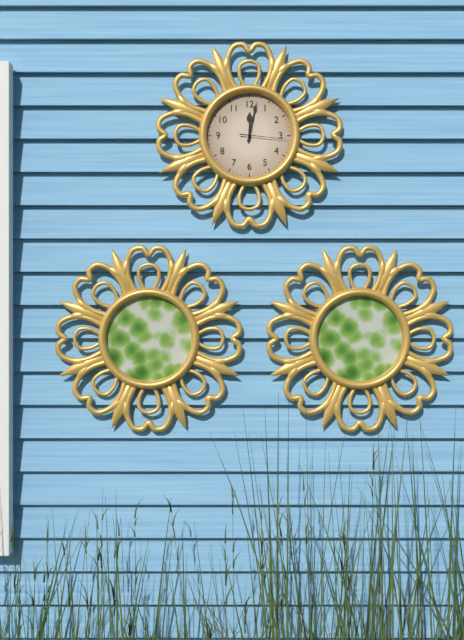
12h02
